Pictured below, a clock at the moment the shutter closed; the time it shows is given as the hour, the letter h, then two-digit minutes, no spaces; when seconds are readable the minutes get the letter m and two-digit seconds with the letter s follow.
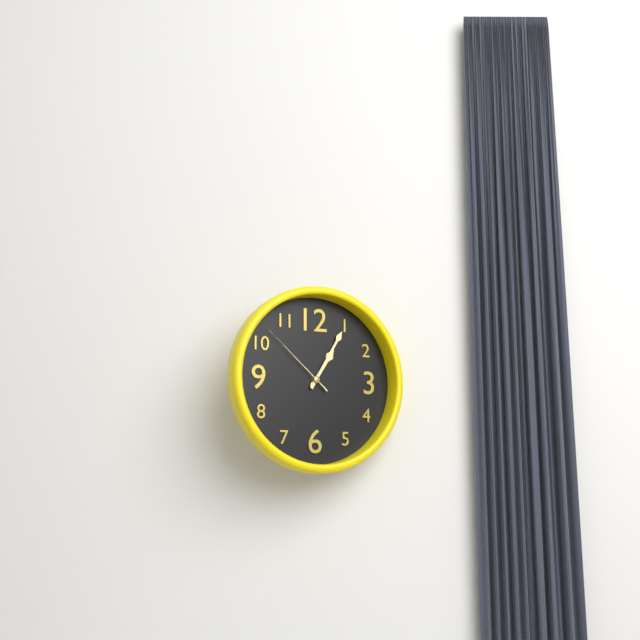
1h05m52s
